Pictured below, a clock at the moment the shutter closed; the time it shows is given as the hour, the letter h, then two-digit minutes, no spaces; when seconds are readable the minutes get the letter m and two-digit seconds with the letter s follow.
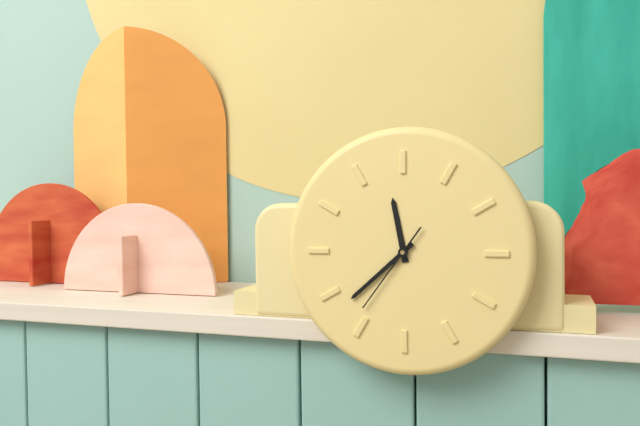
11h38m36s
